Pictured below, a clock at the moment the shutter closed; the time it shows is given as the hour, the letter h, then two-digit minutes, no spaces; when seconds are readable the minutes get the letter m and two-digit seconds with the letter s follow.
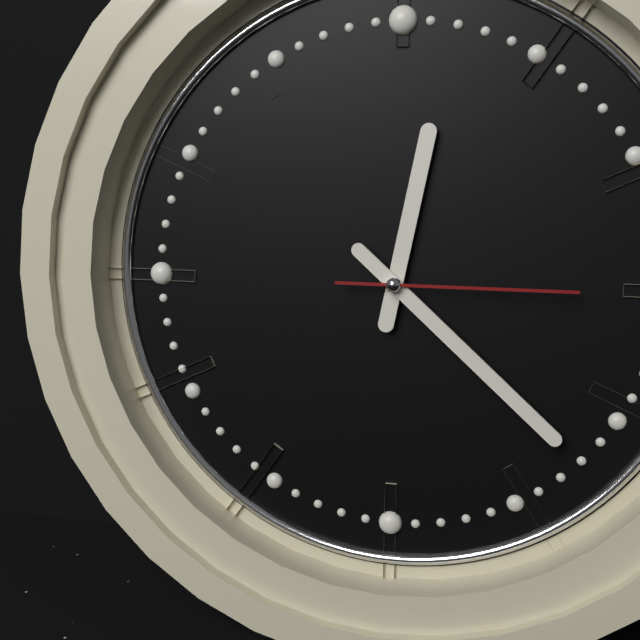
12h22m15s
